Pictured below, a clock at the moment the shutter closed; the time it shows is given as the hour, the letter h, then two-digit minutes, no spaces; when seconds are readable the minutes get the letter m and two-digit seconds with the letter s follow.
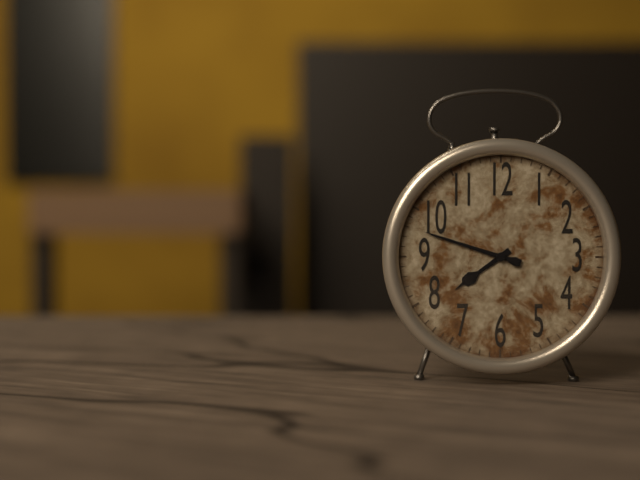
7h48
